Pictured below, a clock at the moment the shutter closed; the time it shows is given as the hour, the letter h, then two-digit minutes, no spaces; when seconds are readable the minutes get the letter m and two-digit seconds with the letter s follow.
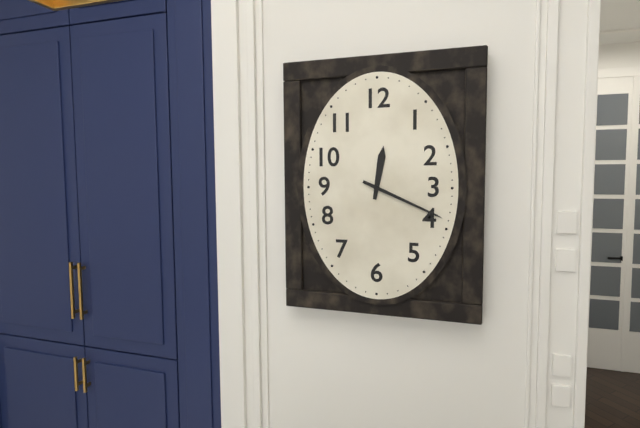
12h19
